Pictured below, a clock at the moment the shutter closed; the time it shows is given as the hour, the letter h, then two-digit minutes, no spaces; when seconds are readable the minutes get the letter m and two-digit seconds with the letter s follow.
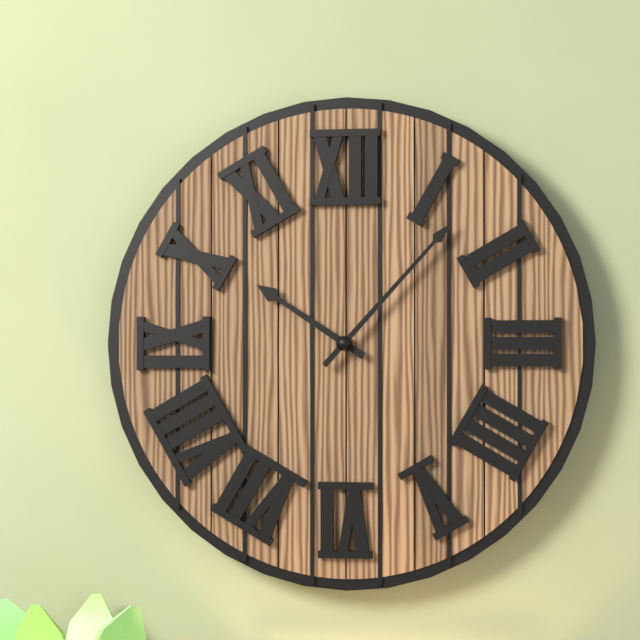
10h07
